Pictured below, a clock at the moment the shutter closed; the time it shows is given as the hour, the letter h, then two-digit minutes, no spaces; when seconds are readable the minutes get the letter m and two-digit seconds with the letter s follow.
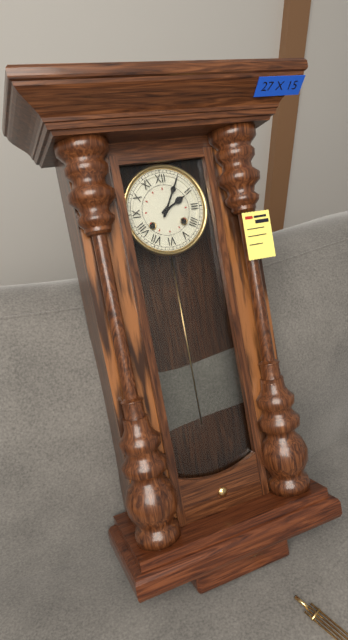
2h05
